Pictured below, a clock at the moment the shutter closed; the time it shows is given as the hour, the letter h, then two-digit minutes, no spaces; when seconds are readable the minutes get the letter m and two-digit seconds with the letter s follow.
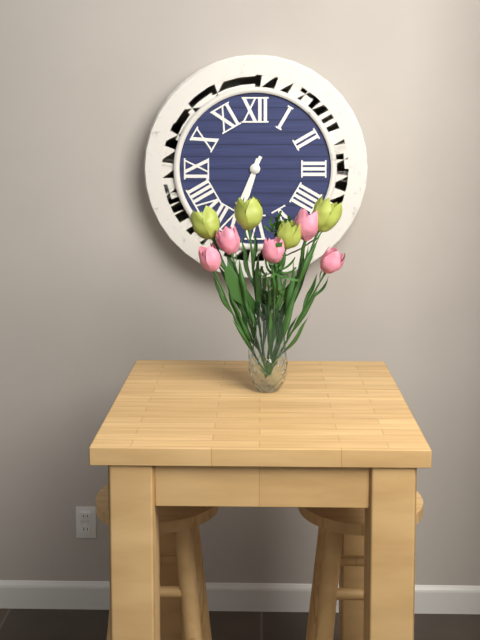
6h34
